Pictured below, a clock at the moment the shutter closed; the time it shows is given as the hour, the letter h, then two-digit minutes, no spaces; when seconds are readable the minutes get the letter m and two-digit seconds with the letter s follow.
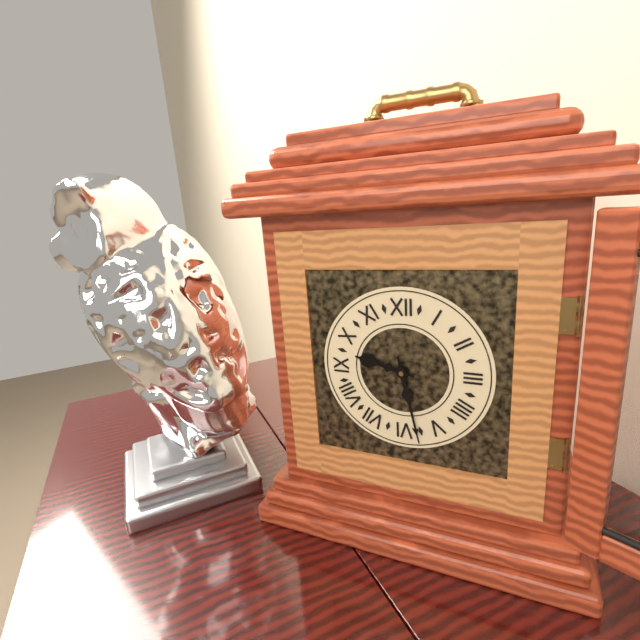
9h28
